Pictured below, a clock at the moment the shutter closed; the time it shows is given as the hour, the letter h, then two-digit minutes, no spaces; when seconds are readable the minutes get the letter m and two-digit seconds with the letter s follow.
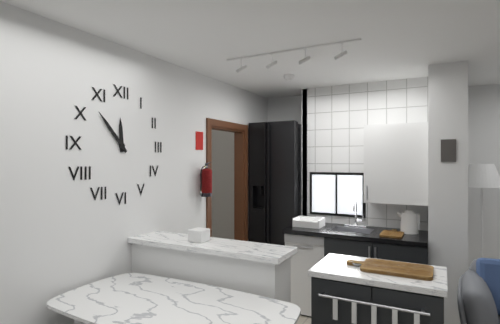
11h53
